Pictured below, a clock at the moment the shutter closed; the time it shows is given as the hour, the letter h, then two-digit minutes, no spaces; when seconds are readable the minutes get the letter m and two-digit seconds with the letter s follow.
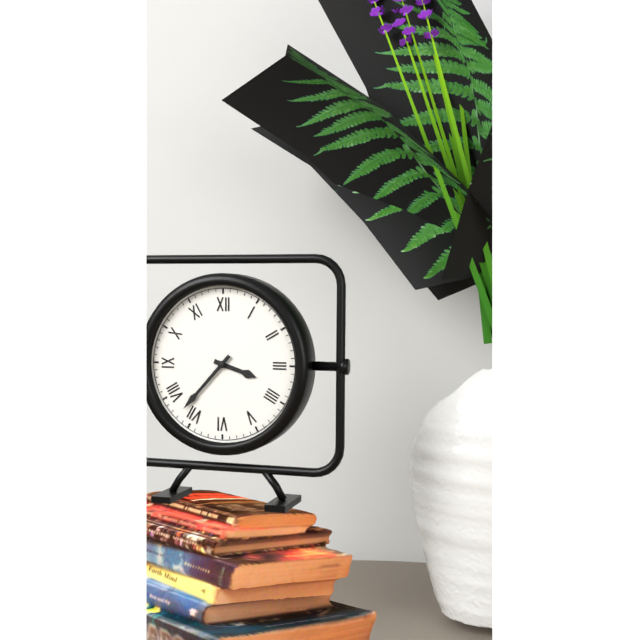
3h37
